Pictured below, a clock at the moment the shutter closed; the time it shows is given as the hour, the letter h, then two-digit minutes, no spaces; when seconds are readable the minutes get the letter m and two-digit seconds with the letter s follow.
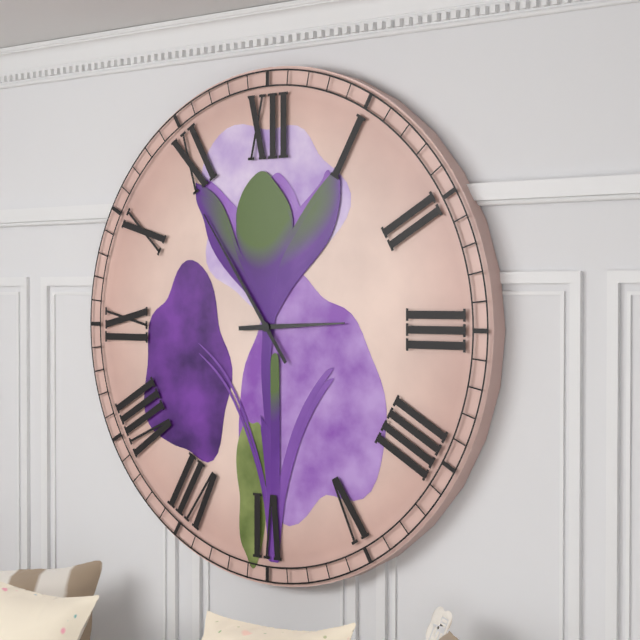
2h54
